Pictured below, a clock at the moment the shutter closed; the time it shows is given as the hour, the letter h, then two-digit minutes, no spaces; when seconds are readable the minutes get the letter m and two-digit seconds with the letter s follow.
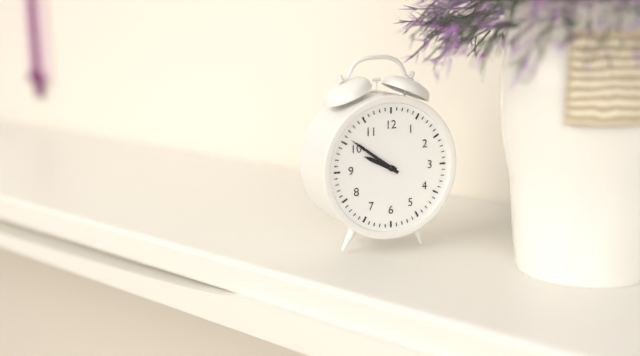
9h51
